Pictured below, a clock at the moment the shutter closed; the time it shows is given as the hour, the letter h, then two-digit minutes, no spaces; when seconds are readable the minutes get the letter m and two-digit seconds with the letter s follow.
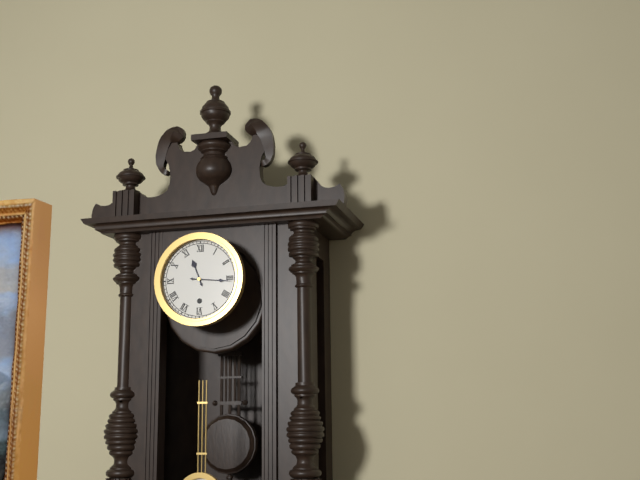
11h16
